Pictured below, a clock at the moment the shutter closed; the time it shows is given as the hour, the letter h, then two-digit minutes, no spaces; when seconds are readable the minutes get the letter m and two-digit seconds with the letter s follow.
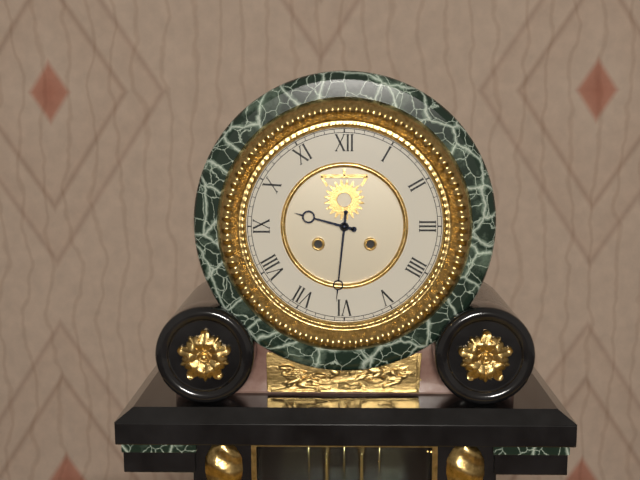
9h31
